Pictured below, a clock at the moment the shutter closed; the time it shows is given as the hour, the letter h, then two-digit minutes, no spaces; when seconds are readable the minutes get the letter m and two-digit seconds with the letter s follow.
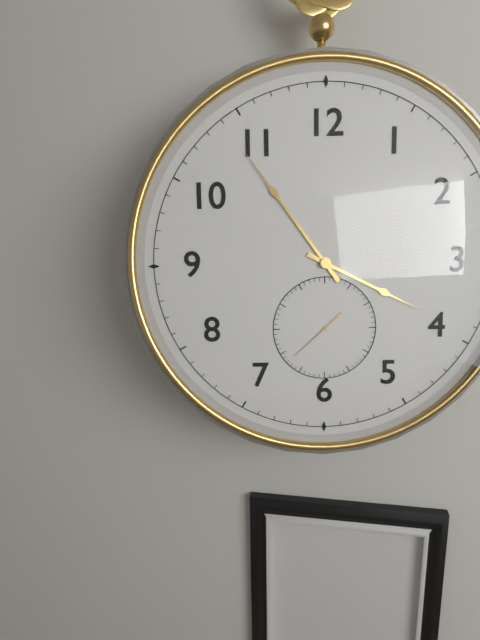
3h54m38s
